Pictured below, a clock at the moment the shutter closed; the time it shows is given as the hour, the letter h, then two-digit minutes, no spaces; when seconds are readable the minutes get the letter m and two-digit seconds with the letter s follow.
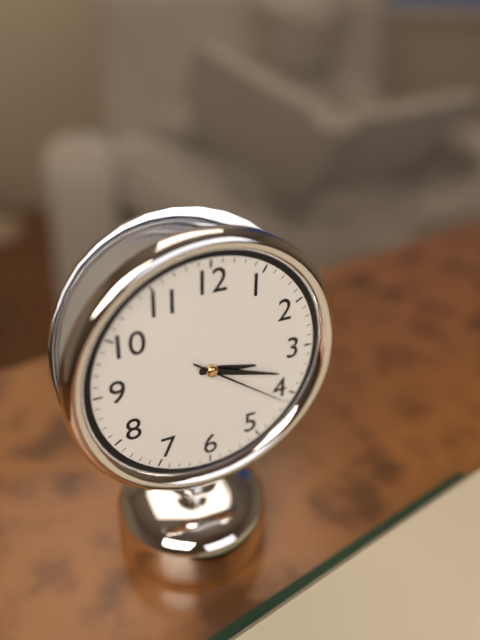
3h18m21s
